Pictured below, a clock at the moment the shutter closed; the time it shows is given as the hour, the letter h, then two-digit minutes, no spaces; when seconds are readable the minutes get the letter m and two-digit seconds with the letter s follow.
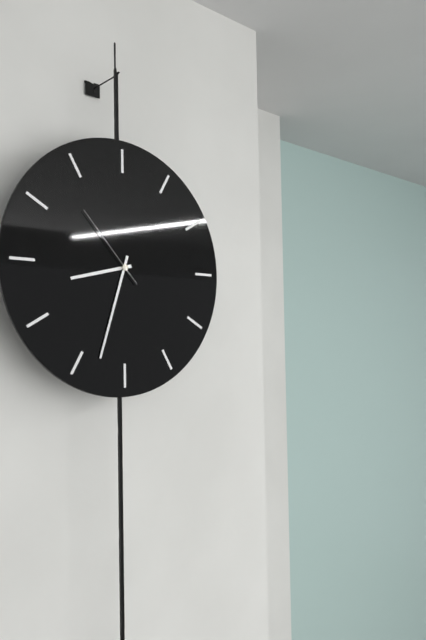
8h33m53s
